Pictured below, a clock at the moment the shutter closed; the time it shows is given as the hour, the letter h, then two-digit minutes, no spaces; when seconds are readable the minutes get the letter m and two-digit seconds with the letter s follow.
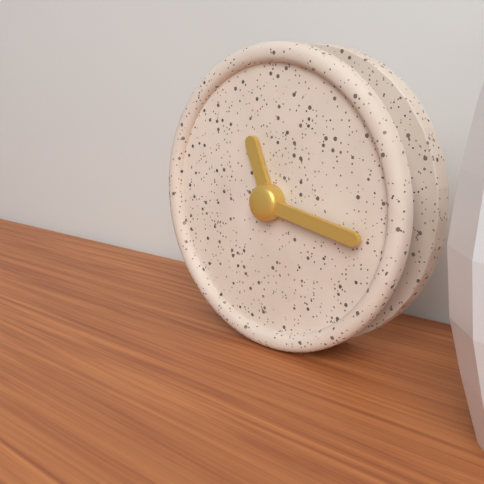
11h17
